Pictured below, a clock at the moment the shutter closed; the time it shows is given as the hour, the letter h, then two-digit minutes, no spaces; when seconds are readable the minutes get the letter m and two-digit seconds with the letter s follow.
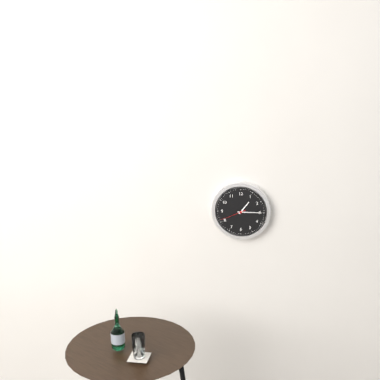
1h15
